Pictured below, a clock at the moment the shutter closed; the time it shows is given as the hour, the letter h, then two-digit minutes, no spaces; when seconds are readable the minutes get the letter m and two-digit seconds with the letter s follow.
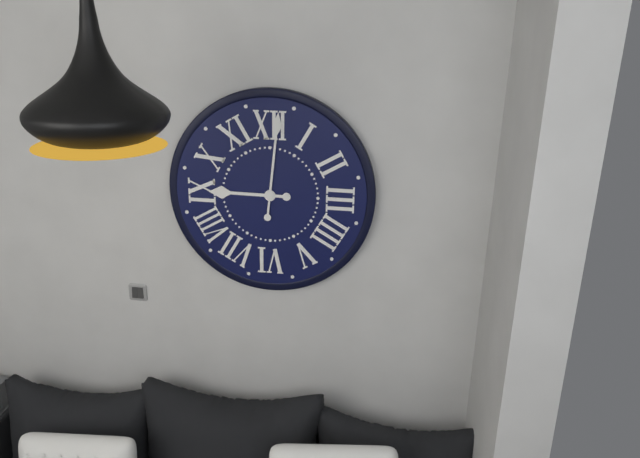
9h01
